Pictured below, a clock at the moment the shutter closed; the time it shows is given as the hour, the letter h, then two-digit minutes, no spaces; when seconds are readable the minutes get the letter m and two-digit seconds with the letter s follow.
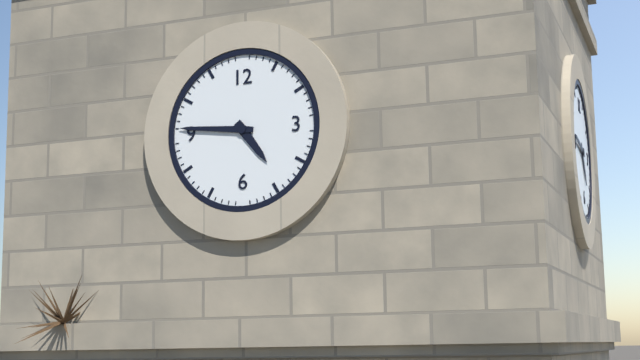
4h46
